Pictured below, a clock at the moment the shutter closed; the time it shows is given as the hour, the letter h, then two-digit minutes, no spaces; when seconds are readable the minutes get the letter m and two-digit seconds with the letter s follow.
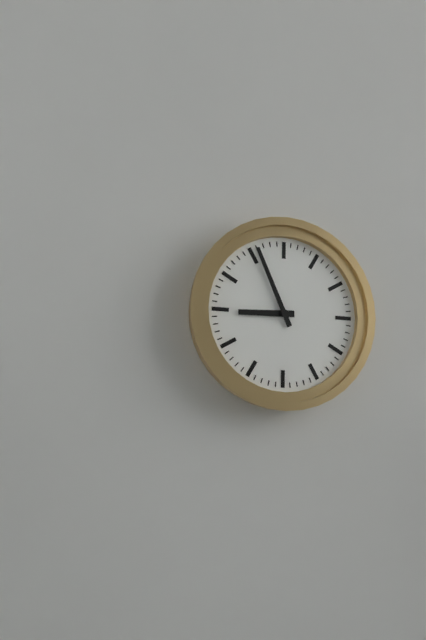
8h56
